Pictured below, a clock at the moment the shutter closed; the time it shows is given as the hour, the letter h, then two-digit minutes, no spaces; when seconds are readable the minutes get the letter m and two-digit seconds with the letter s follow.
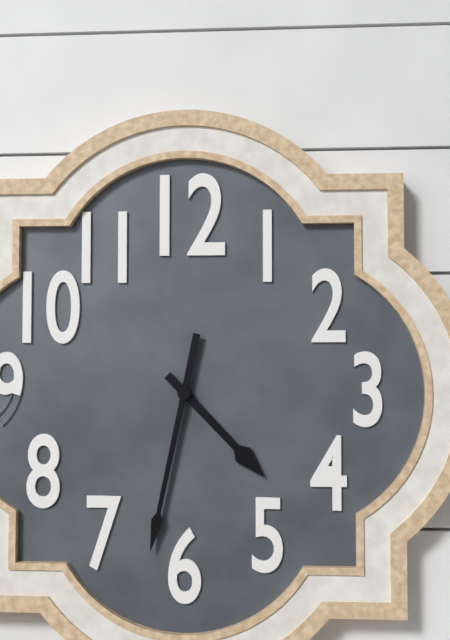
4h32
